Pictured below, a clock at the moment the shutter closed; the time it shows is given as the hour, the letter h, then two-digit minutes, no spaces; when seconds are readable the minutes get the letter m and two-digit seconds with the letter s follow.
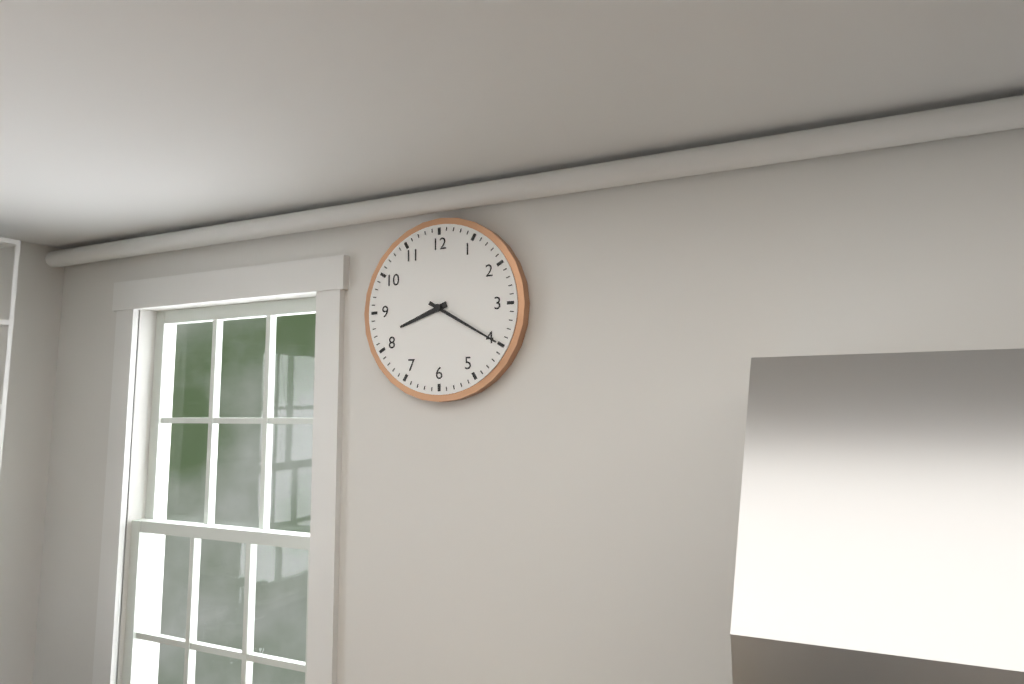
8h20
